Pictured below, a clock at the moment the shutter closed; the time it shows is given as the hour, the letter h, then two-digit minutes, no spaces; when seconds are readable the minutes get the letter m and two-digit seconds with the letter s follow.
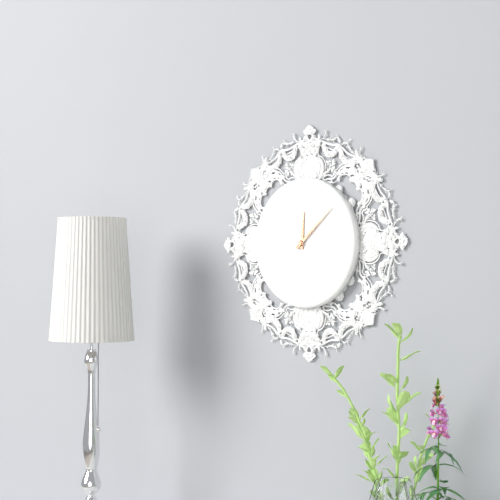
12h08
